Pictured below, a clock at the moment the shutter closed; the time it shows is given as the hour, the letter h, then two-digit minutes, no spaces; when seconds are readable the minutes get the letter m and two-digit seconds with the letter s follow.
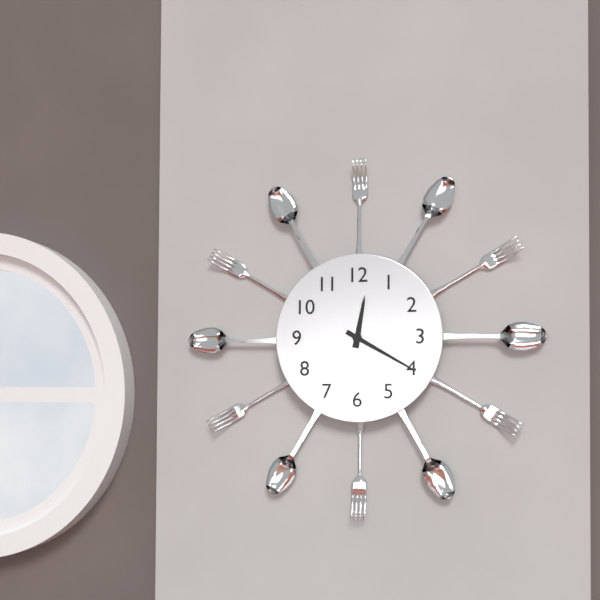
12h20
